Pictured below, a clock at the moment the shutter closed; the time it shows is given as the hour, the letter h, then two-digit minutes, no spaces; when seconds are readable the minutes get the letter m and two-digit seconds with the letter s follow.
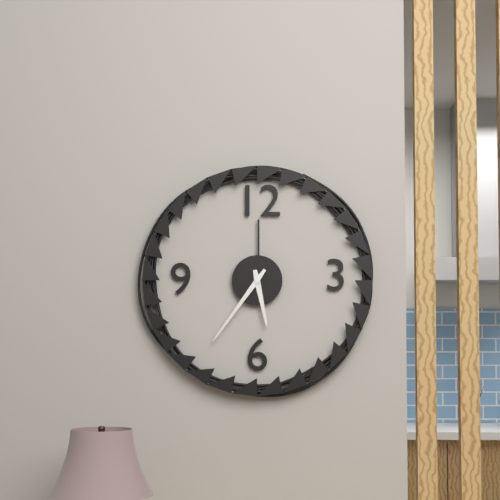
5h36
